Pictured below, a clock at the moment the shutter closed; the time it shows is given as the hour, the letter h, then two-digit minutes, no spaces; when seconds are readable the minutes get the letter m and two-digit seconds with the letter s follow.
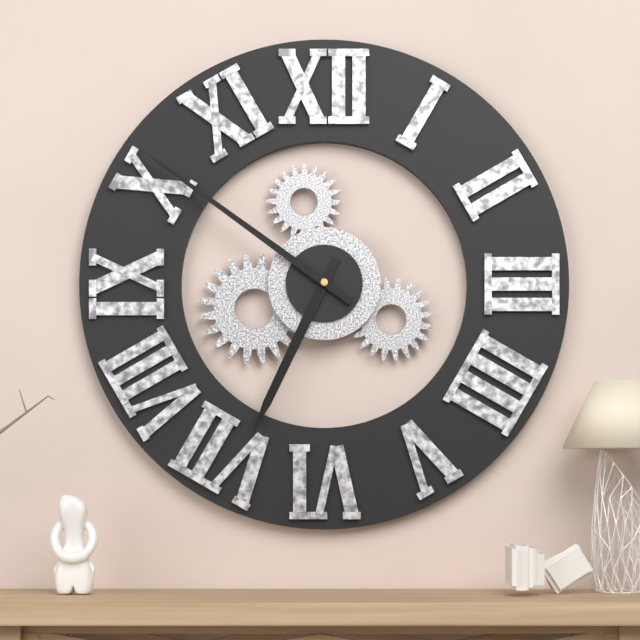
6h51
